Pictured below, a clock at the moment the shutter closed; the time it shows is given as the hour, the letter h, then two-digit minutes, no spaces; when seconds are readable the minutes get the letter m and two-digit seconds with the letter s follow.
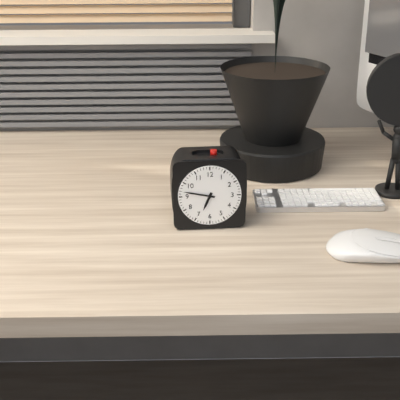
6h47
